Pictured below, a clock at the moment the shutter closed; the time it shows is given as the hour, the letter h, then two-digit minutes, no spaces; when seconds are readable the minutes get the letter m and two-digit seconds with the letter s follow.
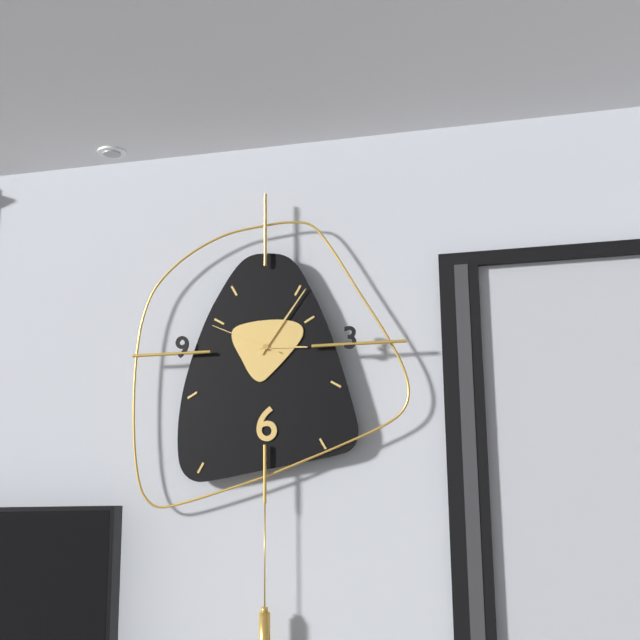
3h06m49s
